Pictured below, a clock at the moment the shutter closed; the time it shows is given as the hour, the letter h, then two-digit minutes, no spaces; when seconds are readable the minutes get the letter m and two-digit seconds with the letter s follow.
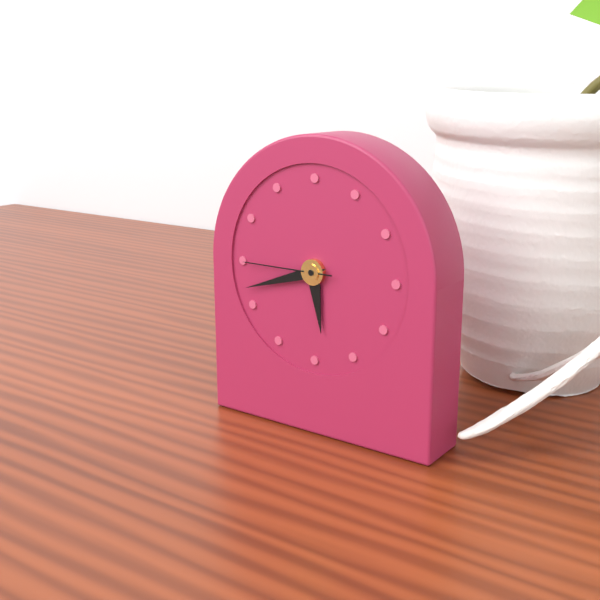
5h42m45s
